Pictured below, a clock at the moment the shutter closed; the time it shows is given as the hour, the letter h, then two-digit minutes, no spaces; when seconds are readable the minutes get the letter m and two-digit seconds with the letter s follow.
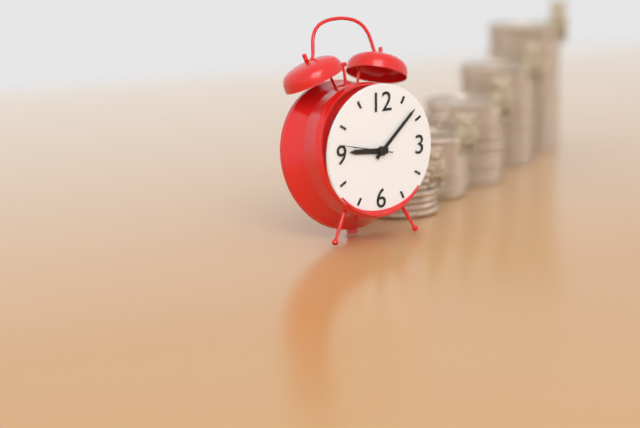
9h08m47s
